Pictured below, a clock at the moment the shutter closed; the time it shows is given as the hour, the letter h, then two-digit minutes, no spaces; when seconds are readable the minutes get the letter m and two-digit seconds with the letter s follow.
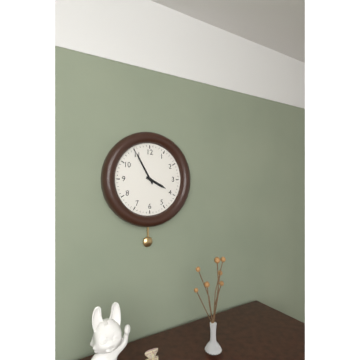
3h55
